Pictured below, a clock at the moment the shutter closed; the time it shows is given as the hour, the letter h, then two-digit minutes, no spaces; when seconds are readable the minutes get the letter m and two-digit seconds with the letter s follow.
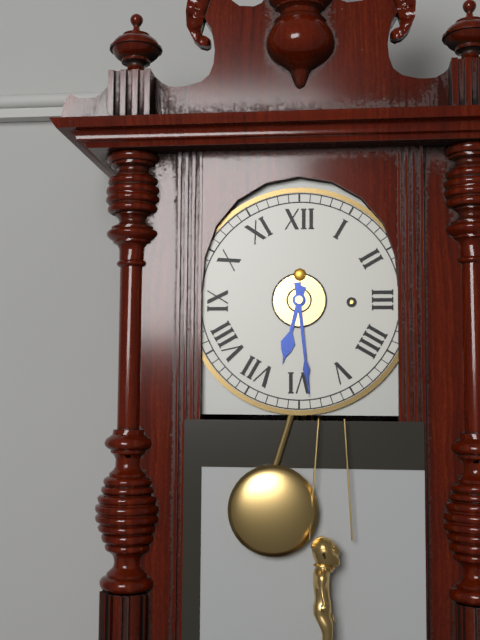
6h29
